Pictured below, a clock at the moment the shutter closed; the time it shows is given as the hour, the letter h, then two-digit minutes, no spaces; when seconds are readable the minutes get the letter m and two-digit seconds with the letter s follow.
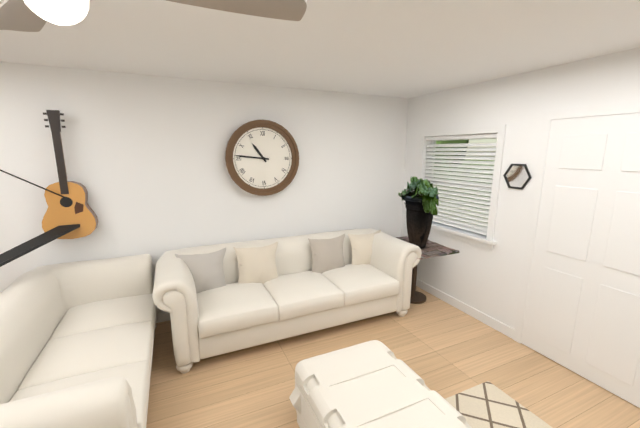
10h46
